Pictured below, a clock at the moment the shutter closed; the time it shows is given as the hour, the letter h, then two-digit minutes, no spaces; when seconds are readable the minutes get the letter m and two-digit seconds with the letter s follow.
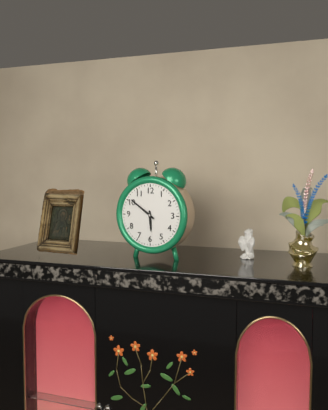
5h51
